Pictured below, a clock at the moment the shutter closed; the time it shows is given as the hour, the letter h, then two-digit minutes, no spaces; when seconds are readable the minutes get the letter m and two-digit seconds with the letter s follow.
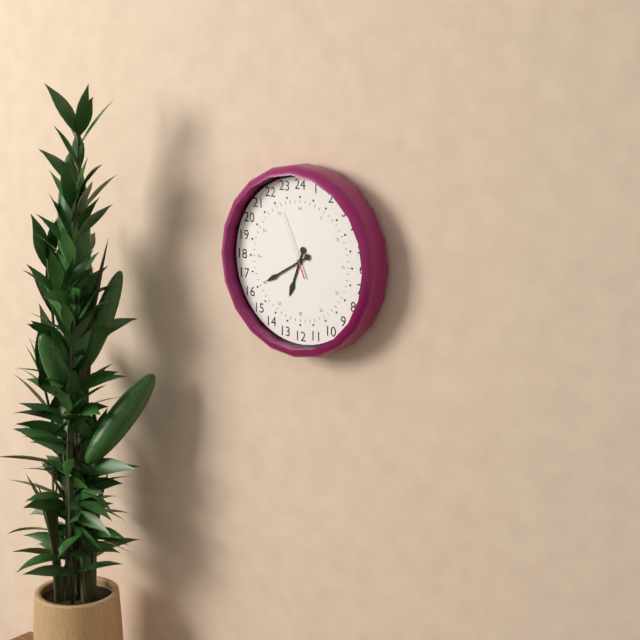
6h40m56s
